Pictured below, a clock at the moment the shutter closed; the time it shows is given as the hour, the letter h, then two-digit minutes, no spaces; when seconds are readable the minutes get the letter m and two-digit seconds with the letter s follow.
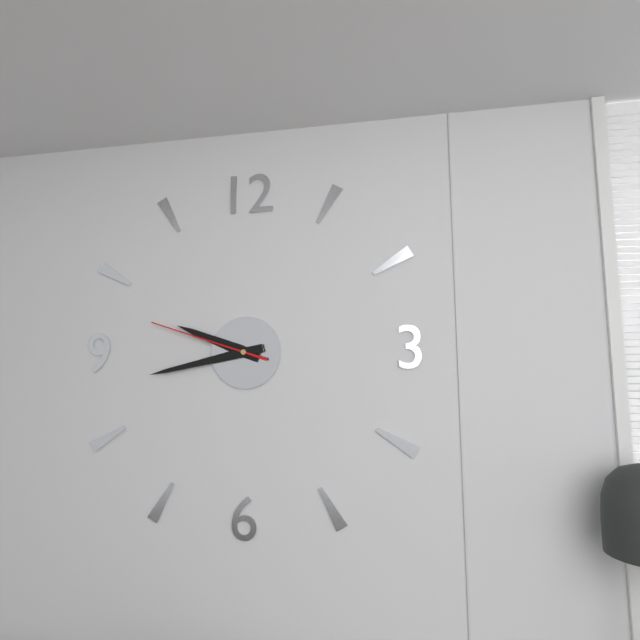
9h43m48s
